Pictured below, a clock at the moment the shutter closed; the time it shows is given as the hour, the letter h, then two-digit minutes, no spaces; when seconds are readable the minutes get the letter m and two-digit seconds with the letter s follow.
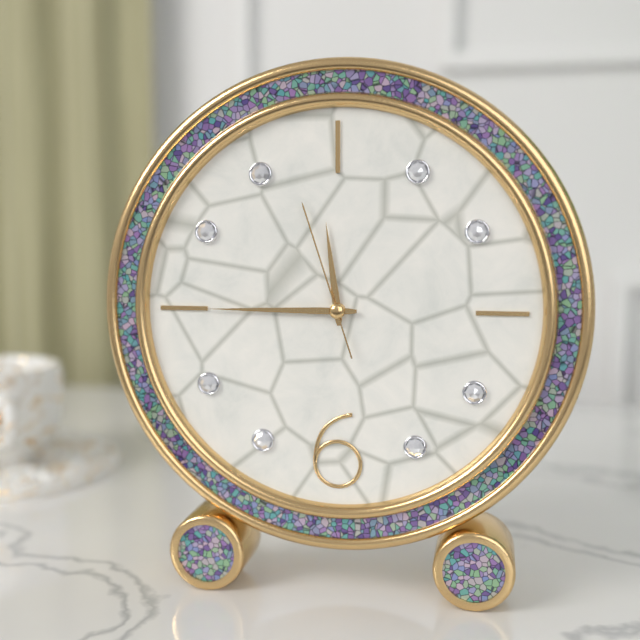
11h45m57s
